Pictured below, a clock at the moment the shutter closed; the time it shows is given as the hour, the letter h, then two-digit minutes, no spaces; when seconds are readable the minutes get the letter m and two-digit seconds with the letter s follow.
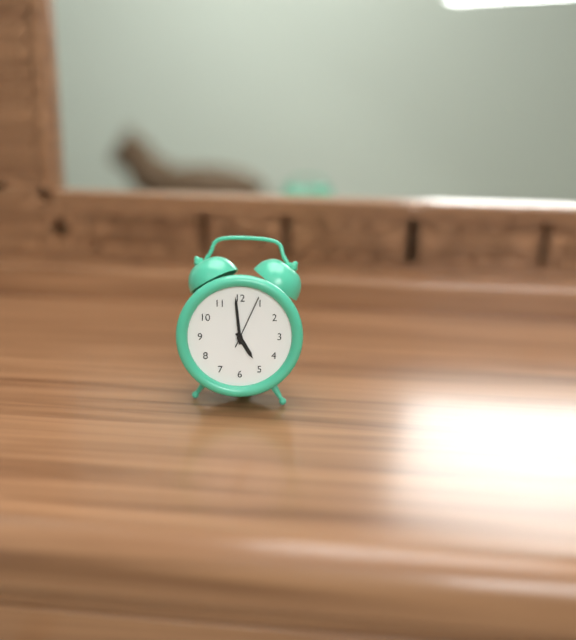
4h59m04s
